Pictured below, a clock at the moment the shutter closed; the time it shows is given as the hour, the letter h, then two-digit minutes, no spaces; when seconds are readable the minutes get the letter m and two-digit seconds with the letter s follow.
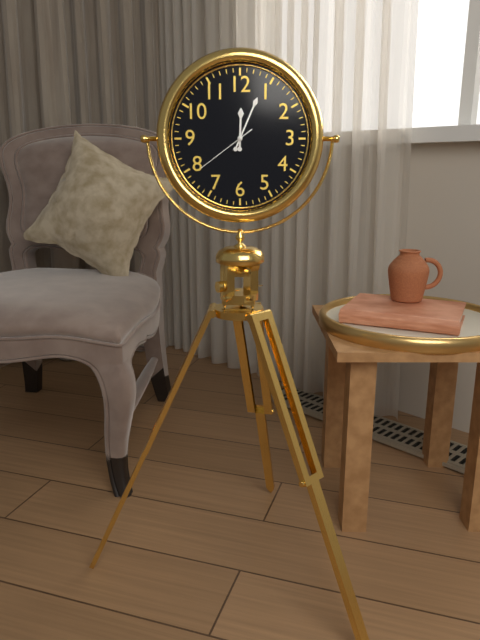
12h04m39s
